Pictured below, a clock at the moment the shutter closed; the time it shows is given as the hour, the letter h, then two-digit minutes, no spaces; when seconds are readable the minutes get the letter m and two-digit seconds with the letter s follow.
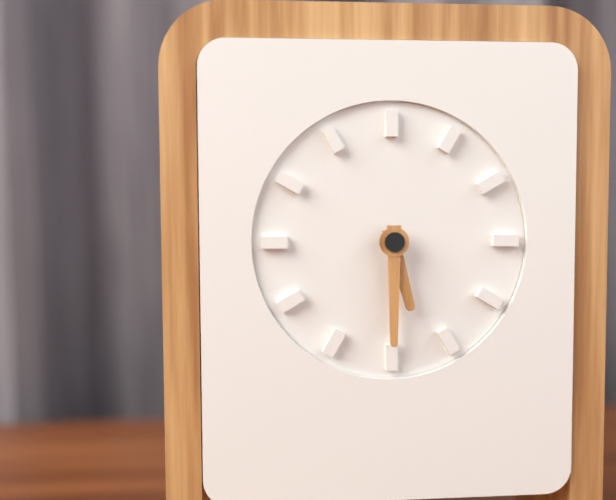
5h30
